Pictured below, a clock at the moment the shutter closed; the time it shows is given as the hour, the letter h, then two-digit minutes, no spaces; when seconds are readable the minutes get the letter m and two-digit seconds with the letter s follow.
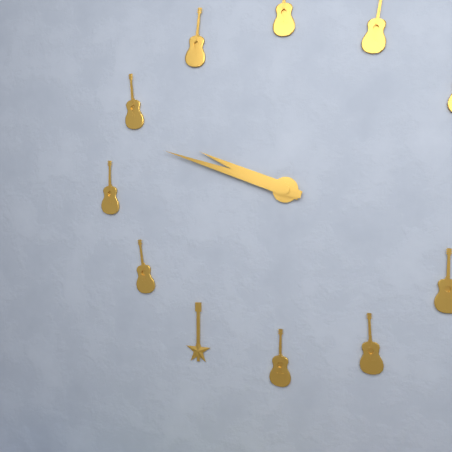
9h48
